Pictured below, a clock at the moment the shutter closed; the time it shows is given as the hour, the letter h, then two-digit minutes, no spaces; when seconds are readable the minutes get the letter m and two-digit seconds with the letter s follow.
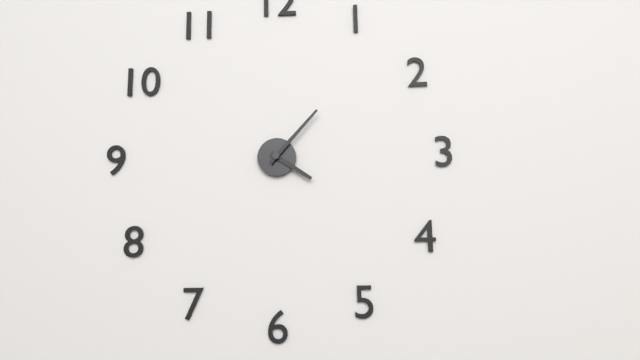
4h07
